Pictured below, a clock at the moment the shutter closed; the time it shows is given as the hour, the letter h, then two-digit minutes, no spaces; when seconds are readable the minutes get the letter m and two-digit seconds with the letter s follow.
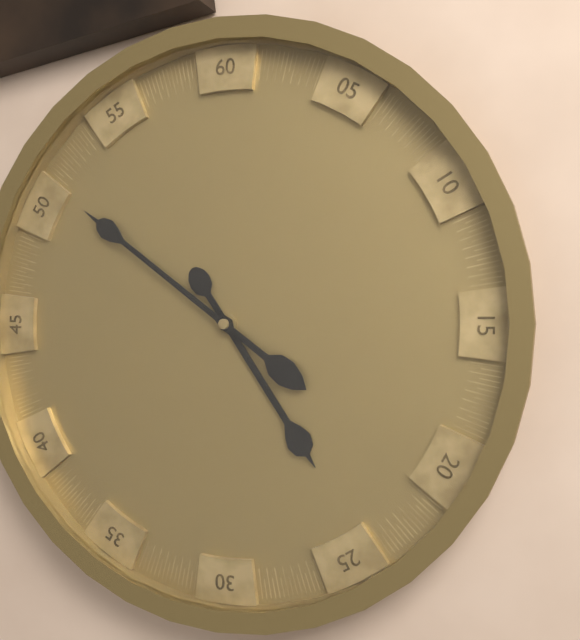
4h51
